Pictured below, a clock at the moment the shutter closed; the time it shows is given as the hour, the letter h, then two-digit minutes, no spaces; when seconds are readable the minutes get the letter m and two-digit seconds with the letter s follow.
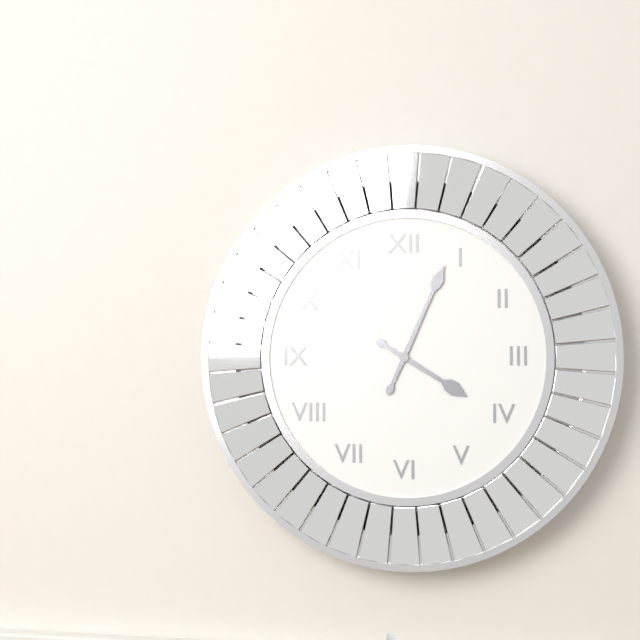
4h04
